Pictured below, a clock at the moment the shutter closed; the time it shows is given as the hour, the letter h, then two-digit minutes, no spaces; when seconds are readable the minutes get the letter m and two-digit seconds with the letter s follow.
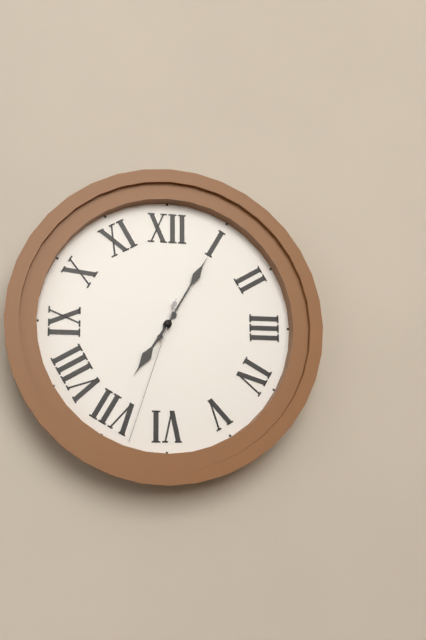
7h05m33s
